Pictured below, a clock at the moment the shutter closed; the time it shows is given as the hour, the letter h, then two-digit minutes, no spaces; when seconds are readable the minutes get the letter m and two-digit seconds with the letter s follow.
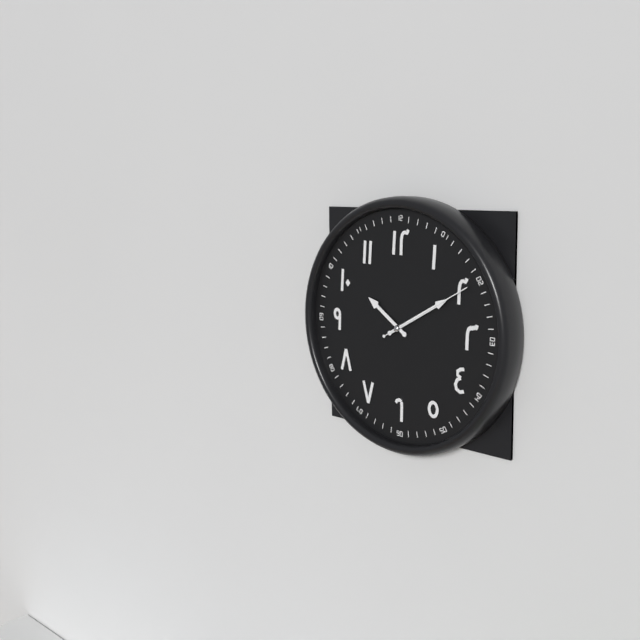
10h10m10s
